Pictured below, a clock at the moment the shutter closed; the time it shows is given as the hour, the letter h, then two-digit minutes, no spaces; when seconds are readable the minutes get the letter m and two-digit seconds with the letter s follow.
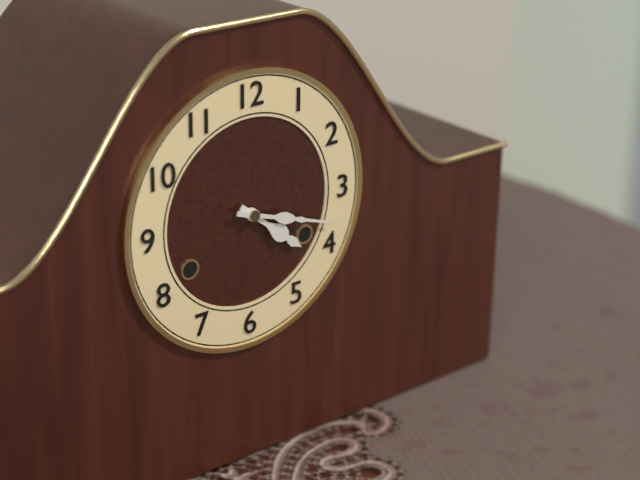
4h18
